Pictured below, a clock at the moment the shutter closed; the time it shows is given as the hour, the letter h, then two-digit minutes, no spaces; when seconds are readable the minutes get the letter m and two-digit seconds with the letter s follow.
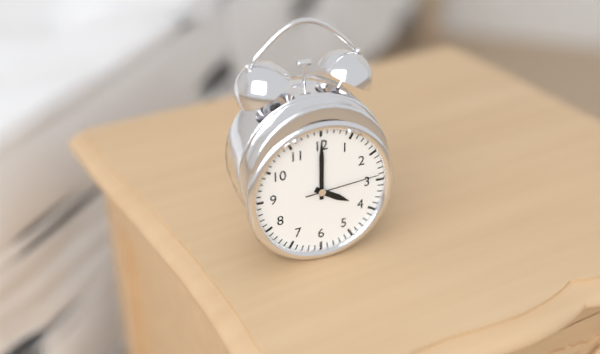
4h00m14s
